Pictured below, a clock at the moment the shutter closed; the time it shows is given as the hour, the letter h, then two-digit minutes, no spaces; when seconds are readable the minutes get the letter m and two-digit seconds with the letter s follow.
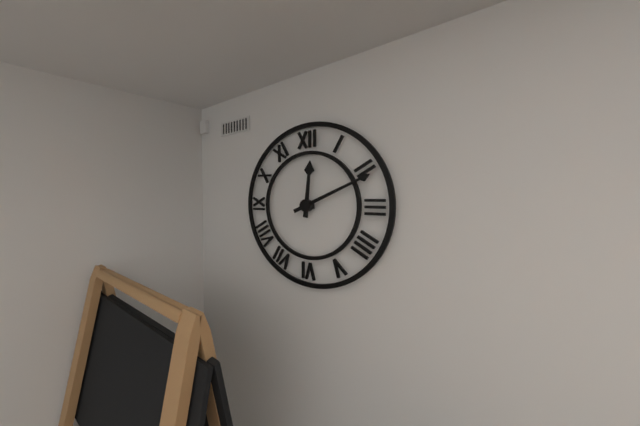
12h11
